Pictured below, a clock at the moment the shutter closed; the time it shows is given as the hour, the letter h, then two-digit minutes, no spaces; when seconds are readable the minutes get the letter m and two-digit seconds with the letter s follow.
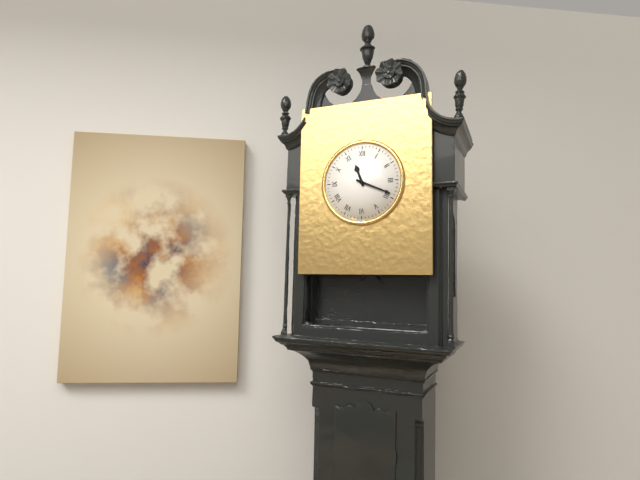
11h19
